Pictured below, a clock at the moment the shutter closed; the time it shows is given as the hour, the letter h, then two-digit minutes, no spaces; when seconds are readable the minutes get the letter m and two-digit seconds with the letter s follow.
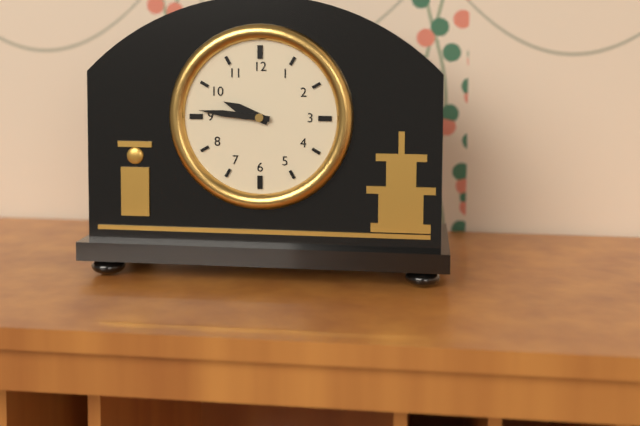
9h46
